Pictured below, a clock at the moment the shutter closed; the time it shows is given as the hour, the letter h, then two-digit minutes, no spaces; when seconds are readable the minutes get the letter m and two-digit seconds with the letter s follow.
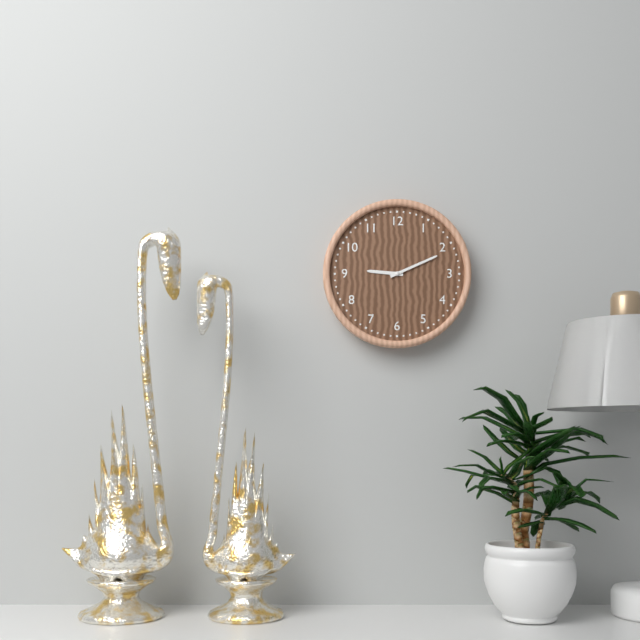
9h11
